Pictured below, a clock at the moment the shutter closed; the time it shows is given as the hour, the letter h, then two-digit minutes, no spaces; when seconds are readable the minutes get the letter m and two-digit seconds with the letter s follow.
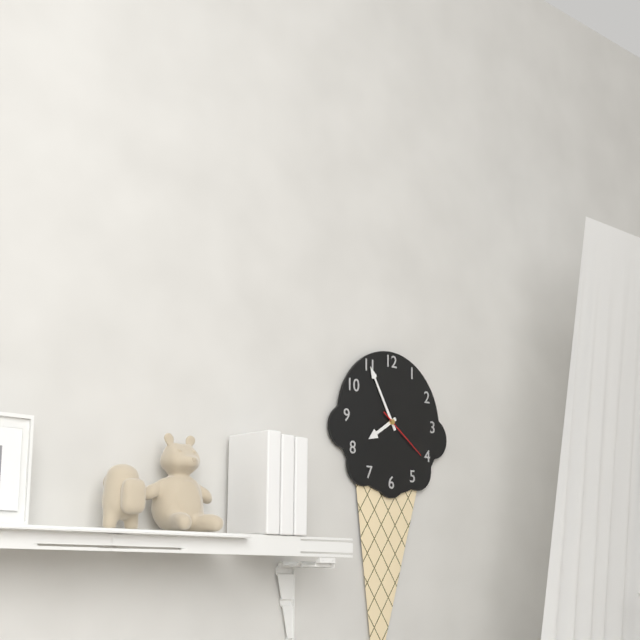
7h55m21s
